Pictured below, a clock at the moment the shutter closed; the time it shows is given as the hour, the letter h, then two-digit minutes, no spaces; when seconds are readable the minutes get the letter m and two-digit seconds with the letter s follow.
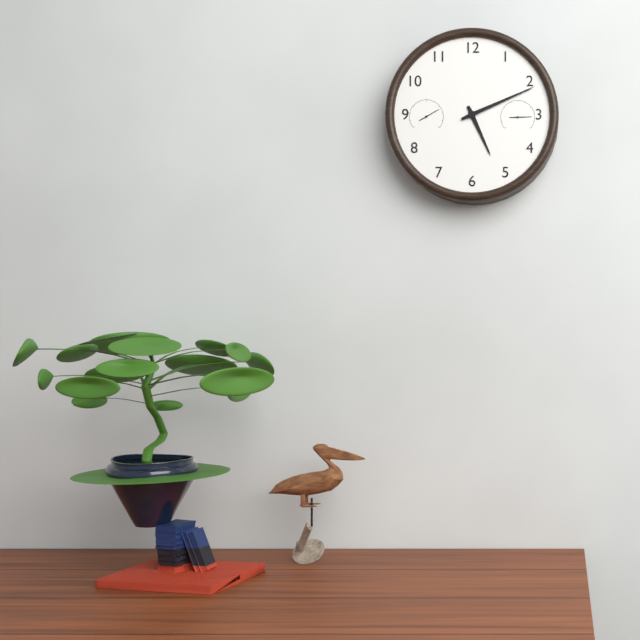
5h11
